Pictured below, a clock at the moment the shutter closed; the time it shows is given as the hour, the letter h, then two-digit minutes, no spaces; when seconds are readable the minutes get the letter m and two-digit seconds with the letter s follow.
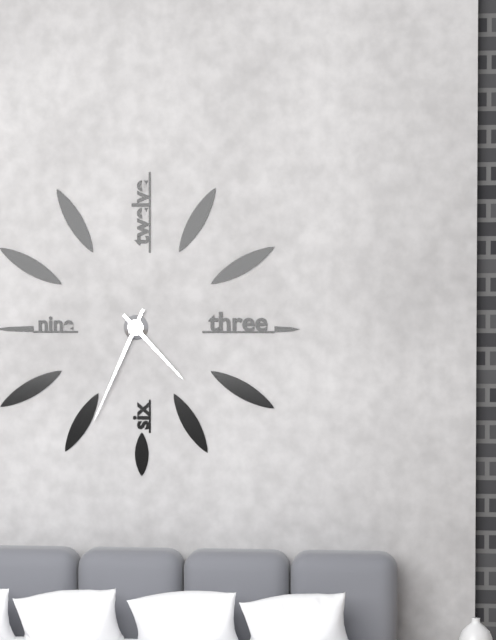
4h34
